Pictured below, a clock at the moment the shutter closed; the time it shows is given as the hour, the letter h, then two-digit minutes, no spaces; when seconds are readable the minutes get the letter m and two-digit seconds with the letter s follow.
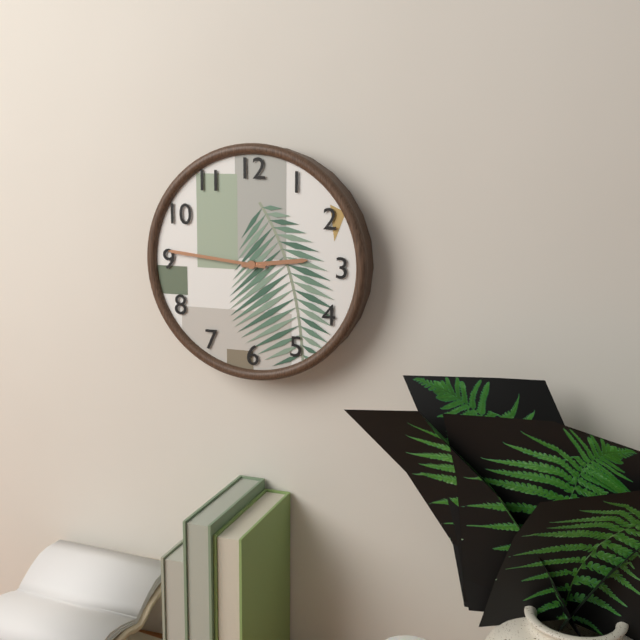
2h46
